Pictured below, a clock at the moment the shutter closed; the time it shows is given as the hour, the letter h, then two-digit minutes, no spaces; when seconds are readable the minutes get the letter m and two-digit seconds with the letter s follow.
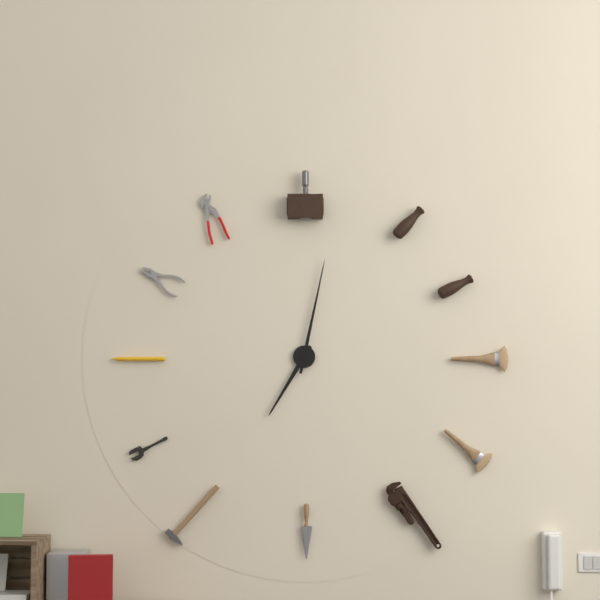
7h02
